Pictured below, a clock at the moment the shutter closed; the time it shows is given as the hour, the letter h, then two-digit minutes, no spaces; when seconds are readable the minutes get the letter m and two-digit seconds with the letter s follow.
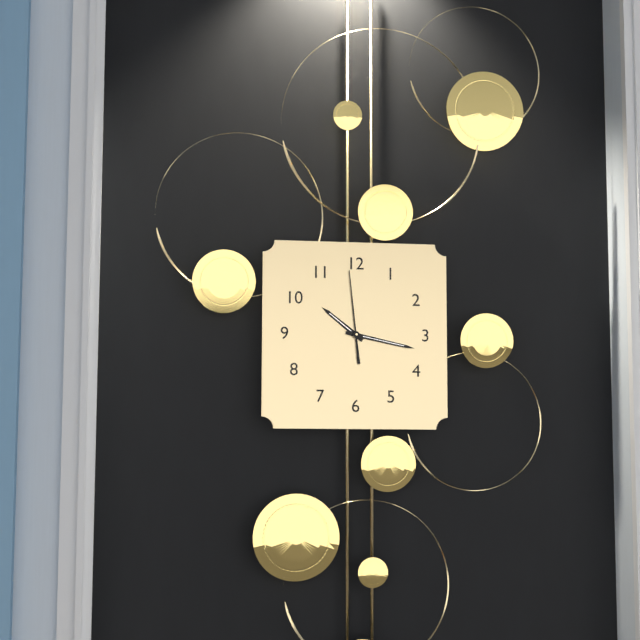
10h17m59s
